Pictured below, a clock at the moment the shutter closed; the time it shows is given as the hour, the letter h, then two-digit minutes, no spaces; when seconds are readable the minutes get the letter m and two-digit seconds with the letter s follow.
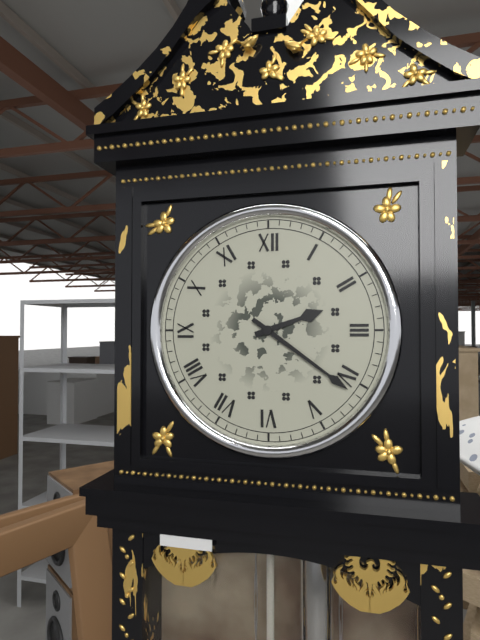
2h21
